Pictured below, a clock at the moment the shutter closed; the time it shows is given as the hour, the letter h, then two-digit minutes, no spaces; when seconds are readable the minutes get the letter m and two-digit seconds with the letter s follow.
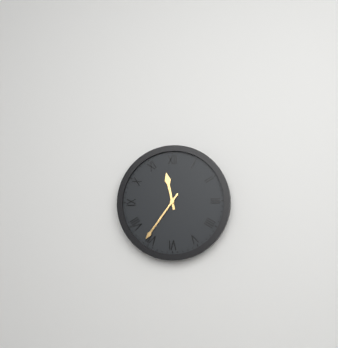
11h36
